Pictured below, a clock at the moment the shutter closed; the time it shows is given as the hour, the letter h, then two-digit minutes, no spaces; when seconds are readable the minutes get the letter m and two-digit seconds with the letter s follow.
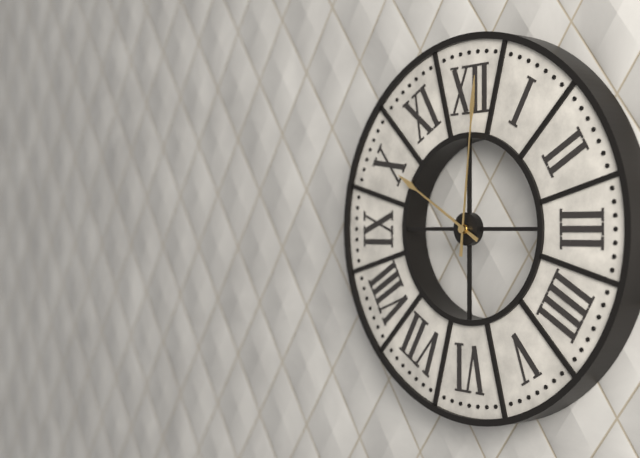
10h01
